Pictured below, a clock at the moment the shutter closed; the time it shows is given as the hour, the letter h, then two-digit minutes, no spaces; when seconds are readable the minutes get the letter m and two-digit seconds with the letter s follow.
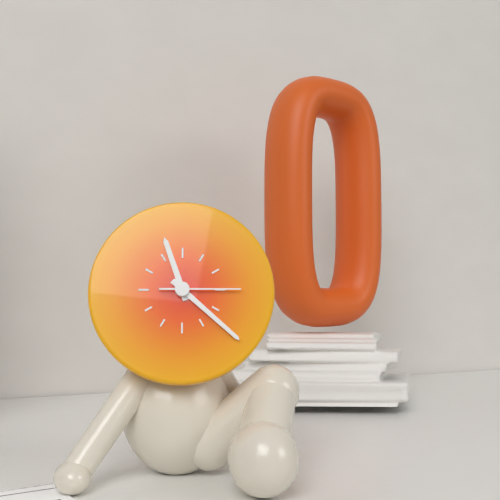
11h22m15s
